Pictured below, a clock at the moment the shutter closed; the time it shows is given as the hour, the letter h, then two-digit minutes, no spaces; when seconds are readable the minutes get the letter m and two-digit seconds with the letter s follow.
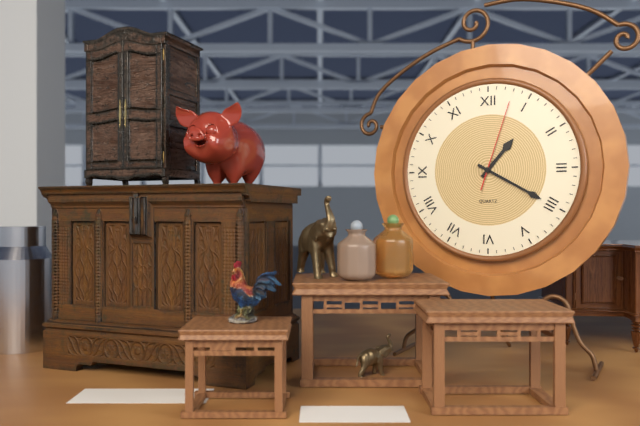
1h20m03s
